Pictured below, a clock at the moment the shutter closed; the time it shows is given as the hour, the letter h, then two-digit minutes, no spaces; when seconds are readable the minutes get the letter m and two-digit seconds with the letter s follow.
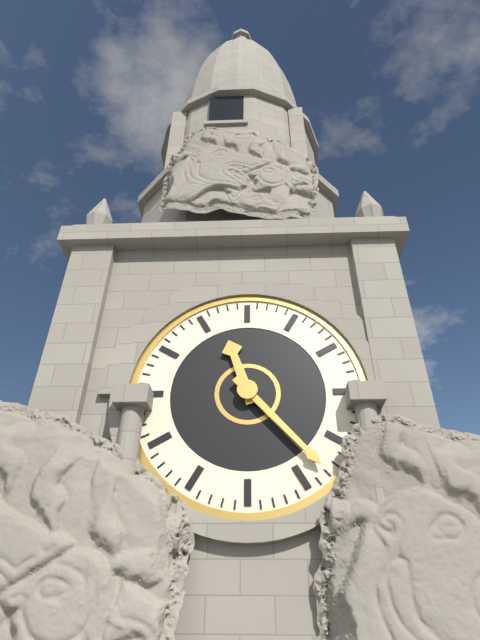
11h23
